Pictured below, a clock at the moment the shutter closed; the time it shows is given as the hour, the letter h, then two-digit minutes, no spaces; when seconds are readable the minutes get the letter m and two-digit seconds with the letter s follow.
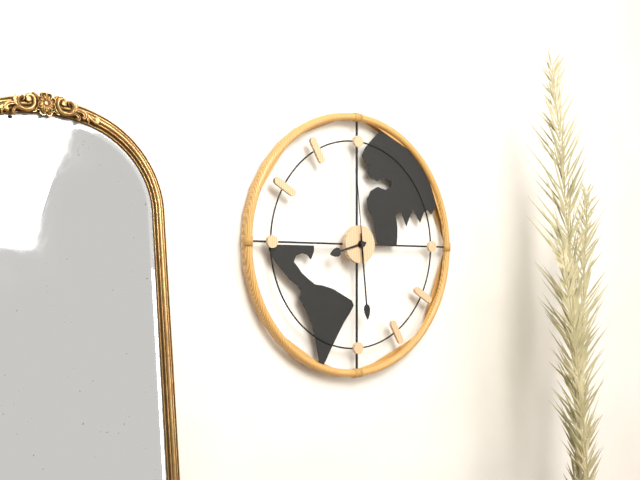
8h29m59s
